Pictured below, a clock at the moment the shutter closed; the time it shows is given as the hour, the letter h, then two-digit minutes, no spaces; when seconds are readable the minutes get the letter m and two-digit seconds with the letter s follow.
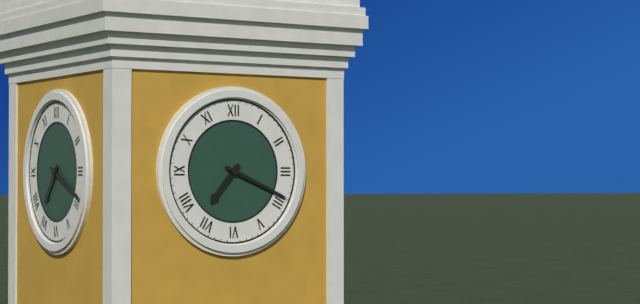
7h19
